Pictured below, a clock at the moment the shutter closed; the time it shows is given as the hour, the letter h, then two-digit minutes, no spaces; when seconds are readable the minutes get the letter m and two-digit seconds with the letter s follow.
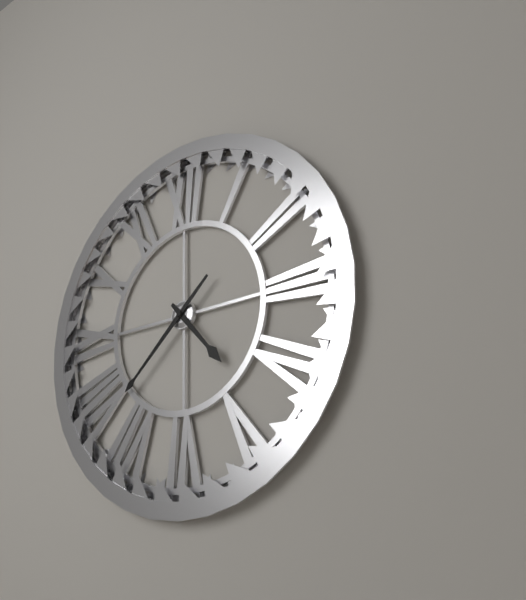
4h38
